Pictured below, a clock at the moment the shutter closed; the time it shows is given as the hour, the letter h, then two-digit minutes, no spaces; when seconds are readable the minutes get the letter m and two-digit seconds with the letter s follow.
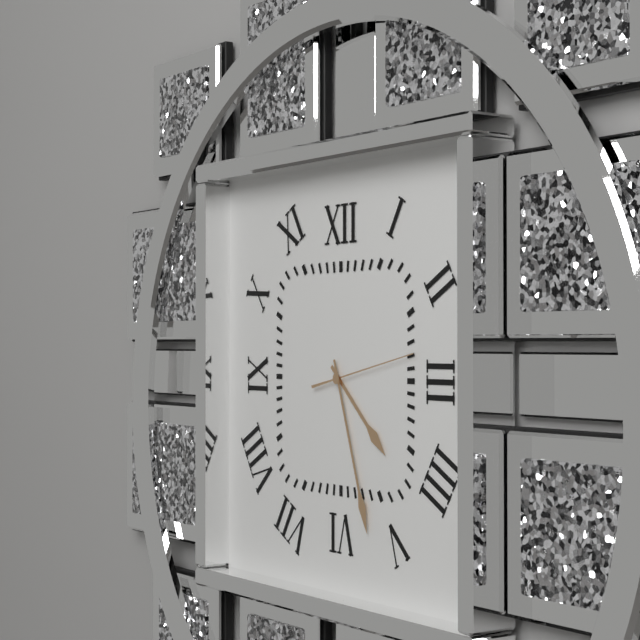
4h27m13s
